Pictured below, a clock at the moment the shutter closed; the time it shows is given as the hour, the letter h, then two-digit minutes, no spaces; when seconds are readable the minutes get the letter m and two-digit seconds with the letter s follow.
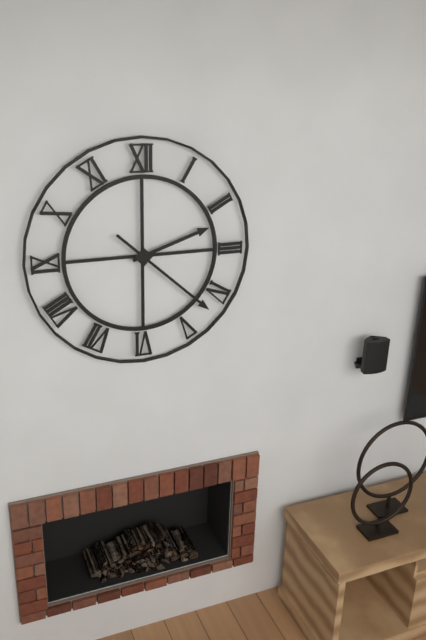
2h22
